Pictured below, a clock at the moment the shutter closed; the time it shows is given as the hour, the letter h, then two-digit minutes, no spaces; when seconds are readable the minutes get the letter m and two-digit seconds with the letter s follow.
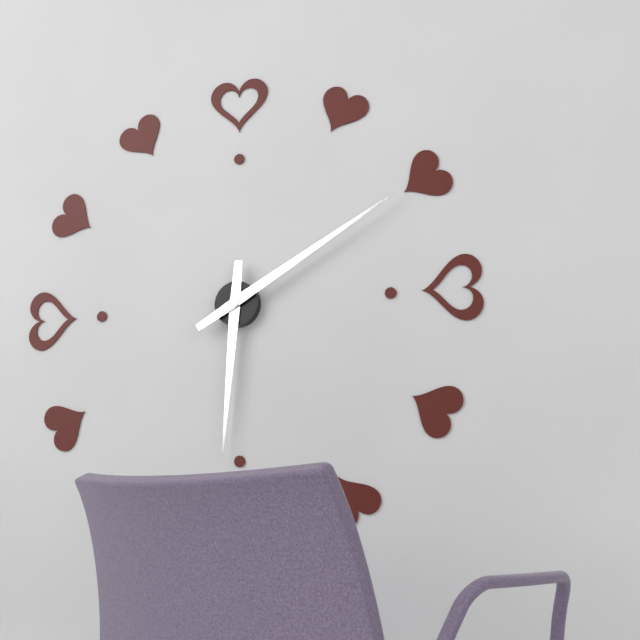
6h10
